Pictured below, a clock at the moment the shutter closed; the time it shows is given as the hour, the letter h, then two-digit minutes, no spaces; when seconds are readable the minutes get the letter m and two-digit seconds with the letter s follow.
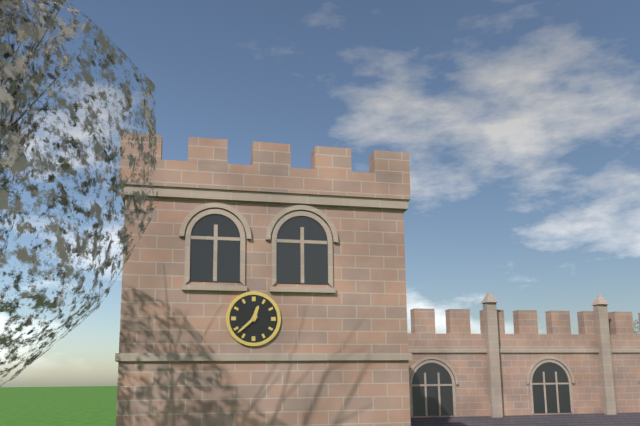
12h38
